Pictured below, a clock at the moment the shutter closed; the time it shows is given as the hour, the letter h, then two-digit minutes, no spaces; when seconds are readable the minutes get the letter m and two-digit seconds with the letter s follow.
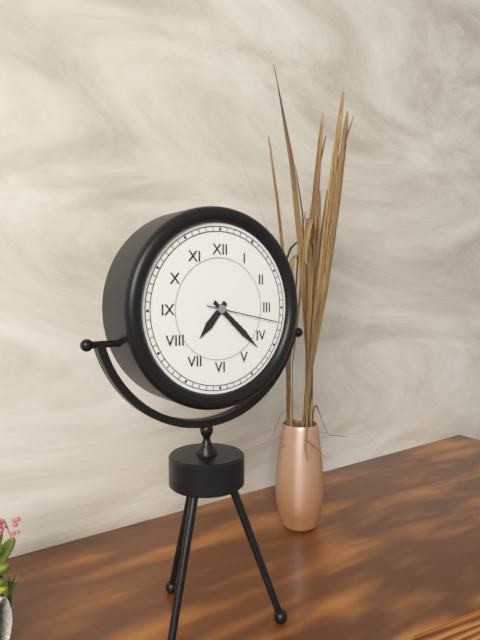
7h22m17s
